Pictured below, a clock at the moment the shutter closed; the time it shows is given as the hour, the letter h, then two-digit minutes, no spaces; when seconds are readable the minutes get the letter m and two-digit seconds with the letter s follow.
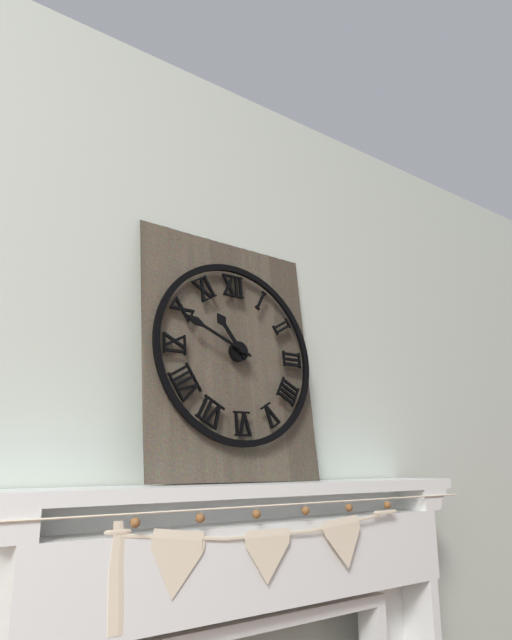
10h49
